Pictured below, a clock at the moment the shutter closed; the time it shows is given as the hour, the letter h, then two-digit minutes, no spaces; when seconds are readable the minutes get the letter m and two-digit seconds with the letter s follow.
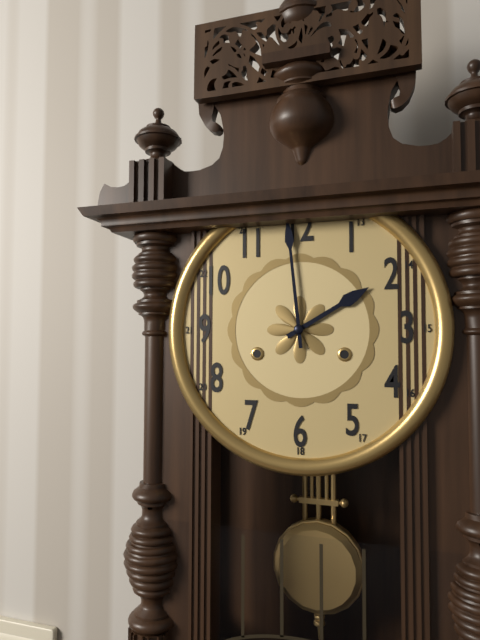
1h59
